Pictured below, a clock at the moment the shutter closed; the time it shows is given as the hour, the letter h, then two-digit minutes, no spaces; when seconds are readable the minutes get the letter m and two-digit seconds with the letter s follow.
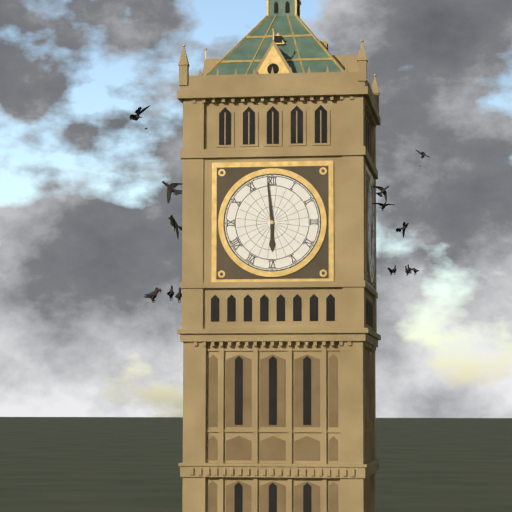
5h59
